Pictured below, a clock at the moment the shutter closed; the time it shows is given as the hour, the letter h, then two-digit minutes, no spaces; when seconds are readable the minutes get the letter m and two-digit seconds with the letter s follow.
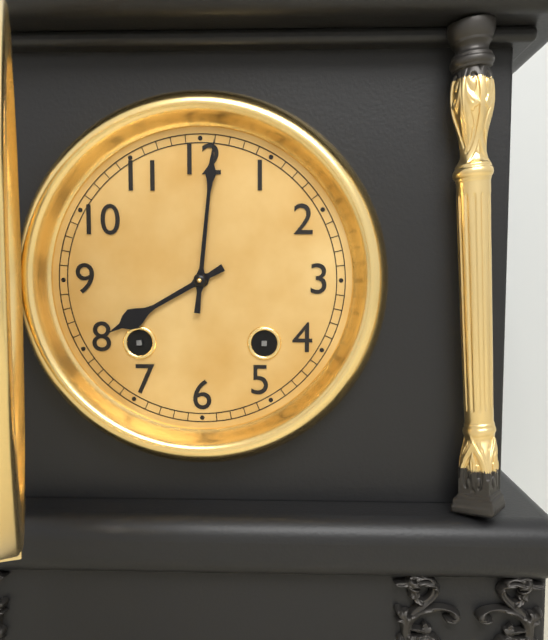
8h01
